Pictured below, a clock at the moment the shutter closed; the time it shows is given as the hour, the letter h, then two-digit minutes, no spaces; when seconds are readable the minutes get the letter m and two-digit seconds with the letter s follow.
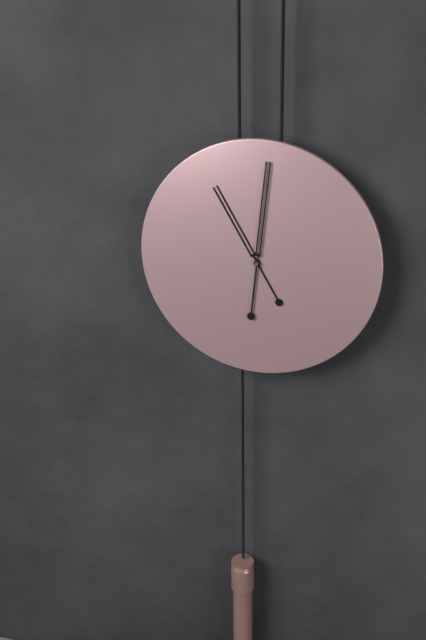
11h01
